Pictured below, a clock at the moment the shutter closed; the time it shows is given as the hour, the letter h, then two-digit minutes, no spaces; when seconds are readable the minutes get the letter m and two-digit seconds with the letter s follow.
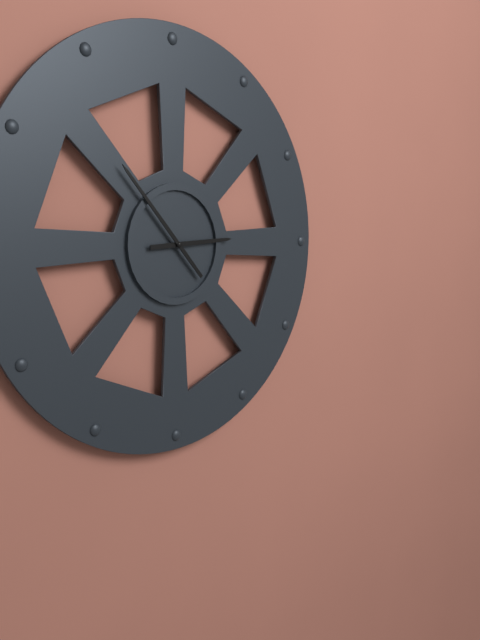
2h53
